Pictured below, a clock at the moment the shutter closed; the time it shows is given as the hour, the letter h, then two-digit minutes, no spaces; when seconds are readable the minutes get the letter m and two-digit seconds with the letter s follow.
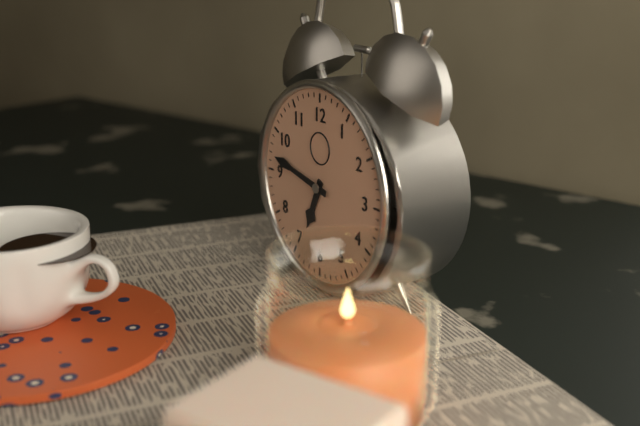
6h47
